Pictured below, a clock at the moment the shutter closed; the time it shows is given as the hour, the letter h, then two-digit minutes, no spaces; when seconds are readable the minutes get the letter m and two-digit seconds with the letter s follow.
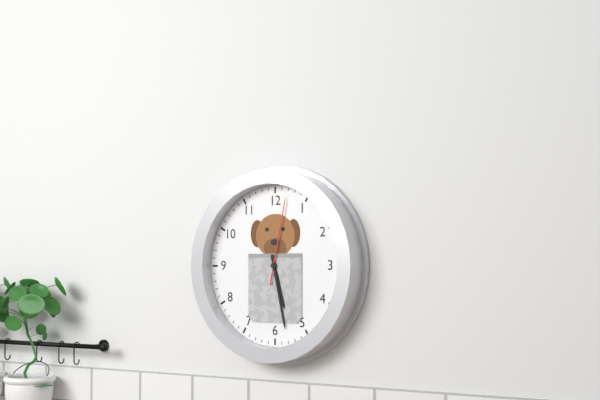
5h28m02s
